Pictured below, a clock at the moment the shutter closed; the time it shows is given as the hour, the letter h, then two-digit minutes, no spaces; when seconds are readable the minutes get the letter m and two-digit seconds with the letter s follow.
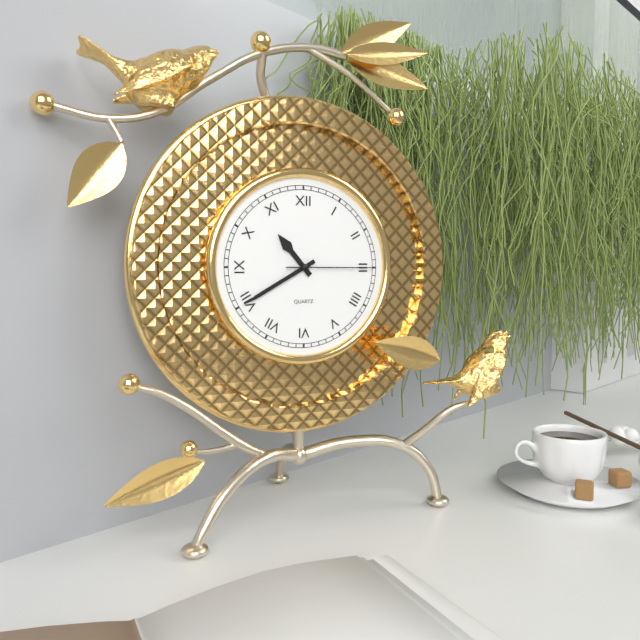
10h40m15s
